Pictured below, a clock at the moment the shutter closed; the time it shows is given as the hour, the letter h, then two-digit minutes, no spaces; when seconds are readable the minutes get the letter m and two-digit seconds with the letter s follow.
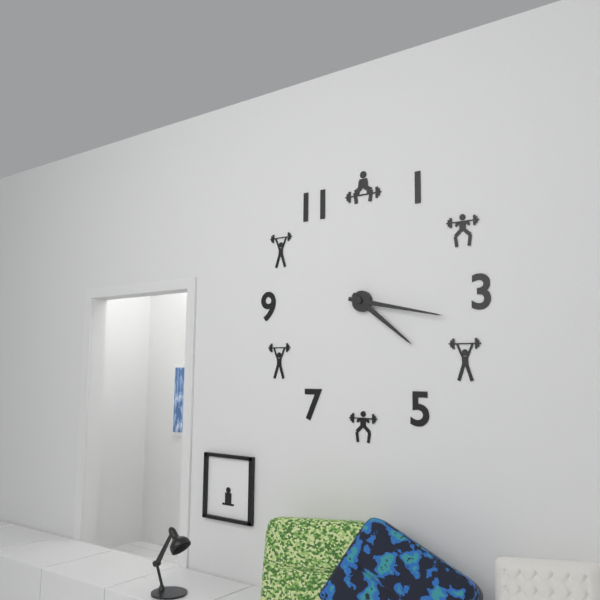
4h17
